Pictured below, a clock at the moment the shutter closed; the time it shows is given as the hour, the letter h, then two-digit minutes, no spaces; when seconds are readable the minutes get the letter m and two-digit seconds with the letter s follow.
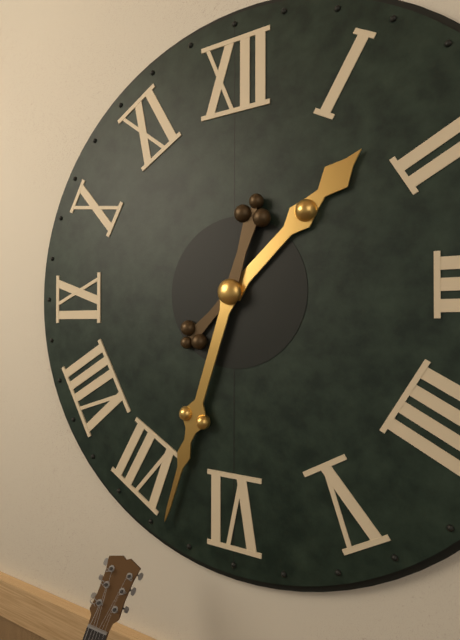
1h33
